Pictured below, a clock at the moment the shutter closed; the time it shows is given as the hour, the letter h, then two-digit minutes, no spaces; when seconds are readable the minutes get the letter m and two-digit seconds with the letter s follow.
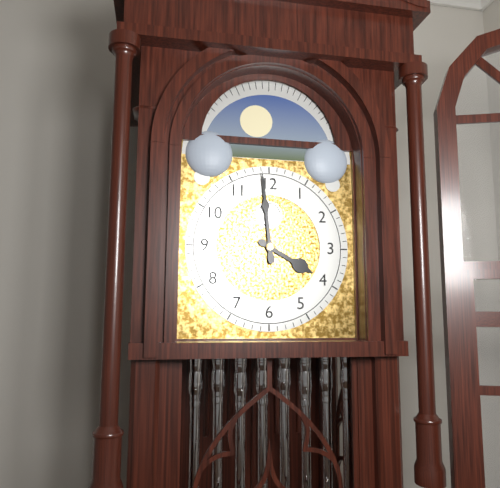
3h59
